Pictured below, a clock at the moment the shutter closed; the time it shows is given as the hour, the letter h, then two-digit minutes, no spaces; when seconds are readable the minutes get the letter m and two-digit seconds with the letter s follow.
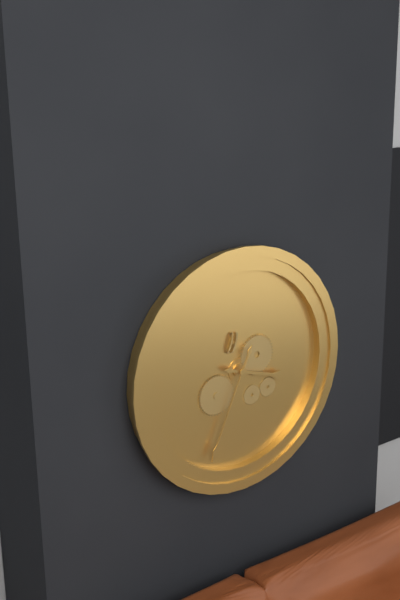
3h34
